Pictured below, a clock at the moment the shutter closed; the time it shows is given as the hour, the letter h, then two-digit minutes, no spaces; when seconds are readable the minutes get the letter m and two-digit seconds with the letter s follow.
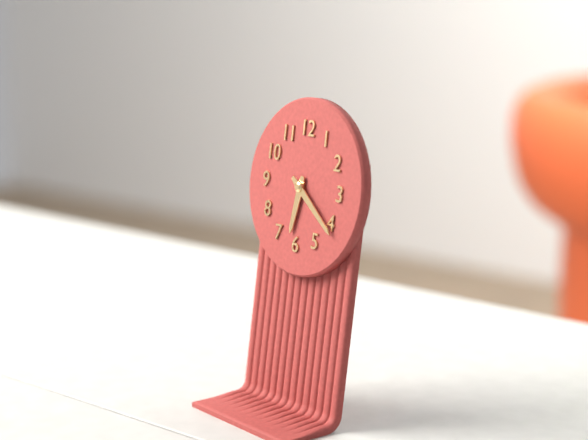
6h21
